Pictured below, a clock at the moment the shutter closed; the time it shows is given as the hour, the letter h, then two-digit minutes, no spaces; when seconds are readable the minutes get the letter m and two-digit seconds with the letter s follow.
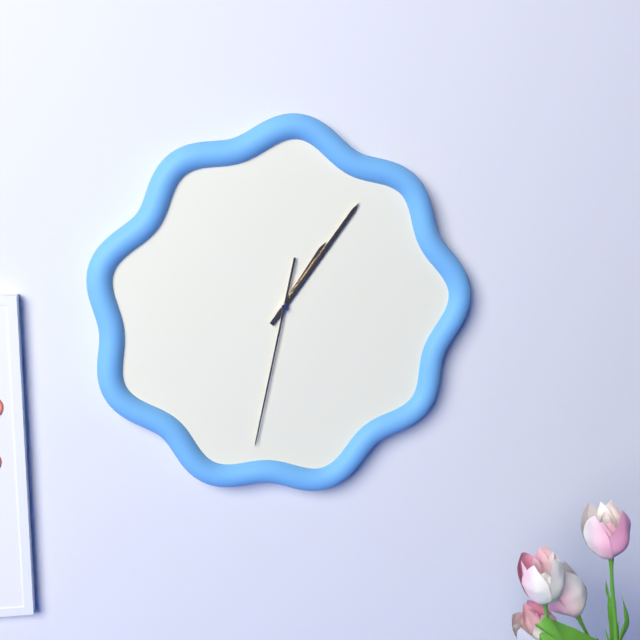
1h06m32s
